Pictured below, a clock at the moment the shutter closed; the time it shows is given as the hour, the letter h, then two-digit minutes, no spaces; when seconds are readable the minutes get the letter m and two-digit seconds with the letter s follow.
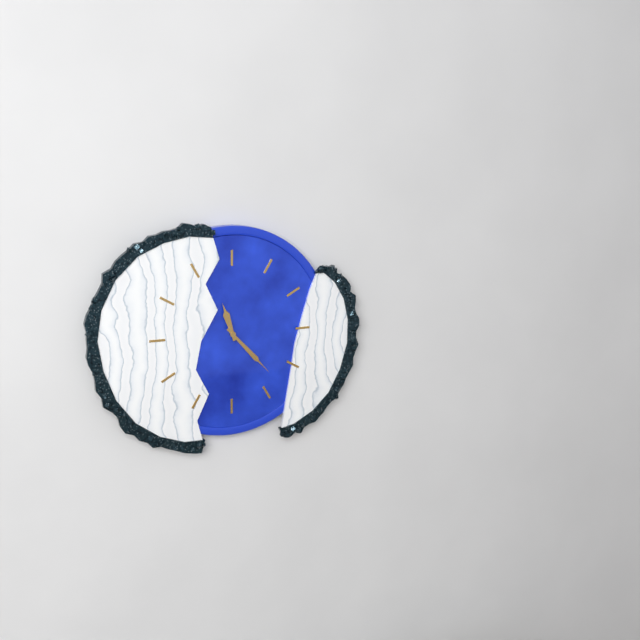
11h23
